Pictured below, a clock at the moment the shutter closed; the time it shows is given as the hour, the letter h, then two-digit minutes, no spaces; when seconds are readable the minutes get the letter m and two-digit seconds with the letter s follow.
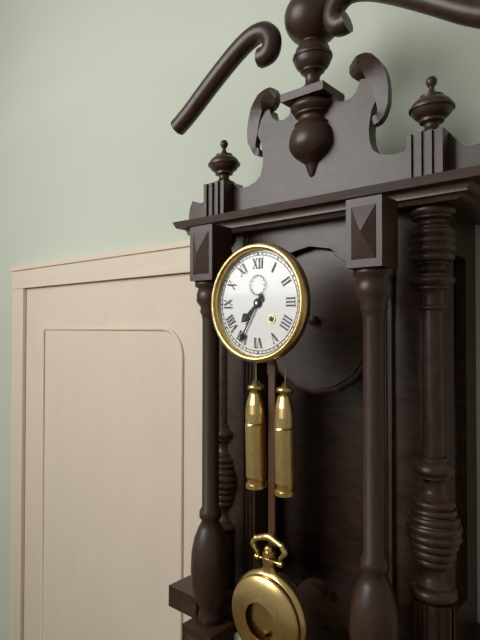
7h35
